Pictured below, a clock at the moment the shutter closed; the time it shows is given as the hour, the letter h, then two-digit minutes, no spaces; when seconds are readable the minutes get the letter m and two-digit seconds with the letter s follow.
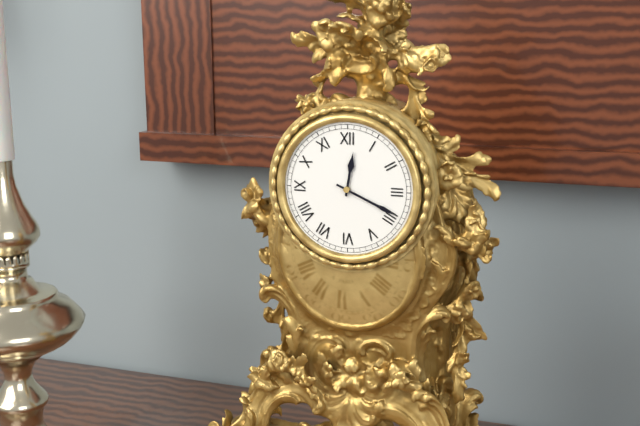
12h19
